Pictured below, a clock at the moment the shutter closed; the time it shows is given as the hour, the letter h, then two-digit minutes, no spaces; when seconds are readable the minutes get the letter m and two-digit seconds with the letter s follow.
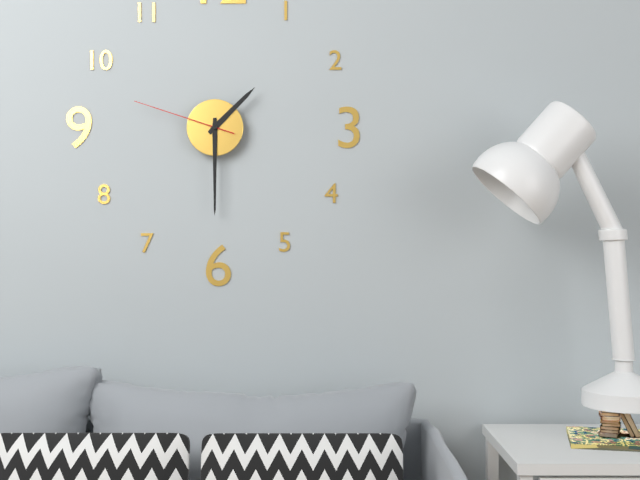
1h30m48s
